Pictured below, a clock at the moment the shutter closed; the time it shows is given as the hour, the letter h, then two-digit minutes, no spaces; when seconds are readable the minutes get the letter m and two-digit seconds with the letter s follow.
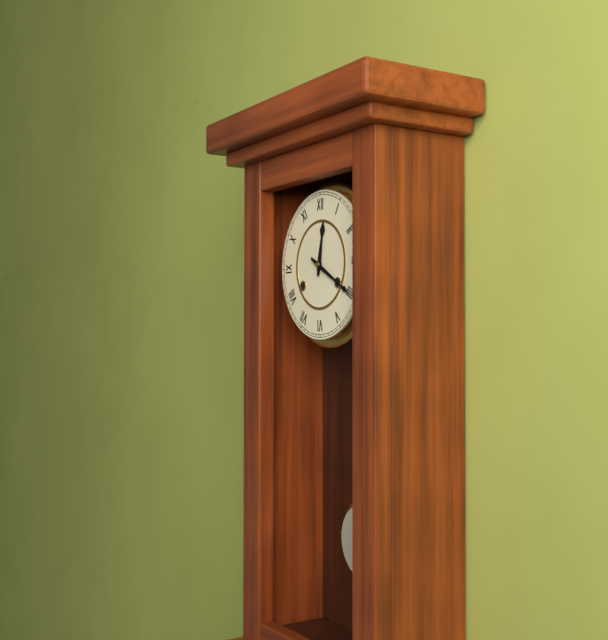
12h20
